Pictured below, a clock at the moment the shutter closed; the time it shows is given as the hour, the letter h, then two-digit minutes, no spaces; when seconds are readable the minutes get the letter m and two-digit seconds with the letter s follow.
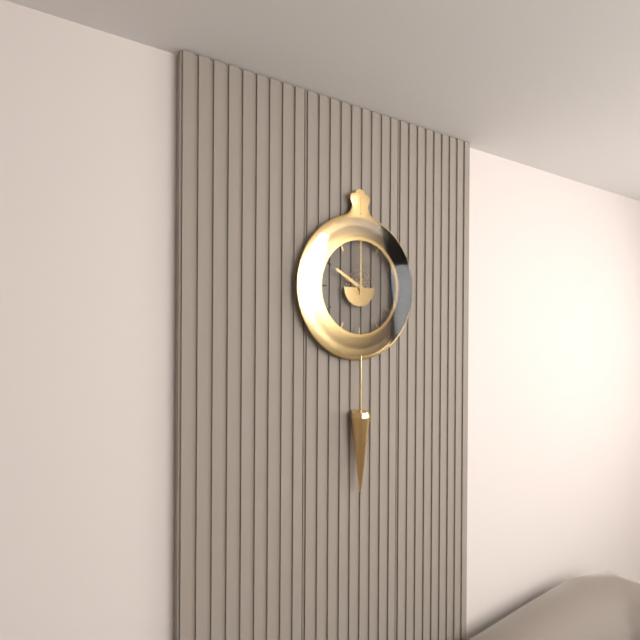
10h00
